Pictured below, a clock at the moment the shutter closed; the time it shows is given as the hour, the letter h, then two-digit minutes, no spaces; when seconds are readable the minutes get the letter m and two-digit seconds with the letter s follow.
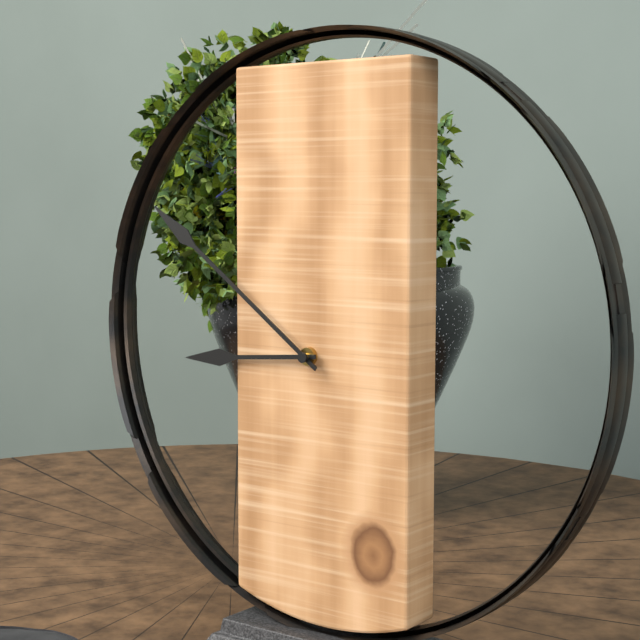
8h51
